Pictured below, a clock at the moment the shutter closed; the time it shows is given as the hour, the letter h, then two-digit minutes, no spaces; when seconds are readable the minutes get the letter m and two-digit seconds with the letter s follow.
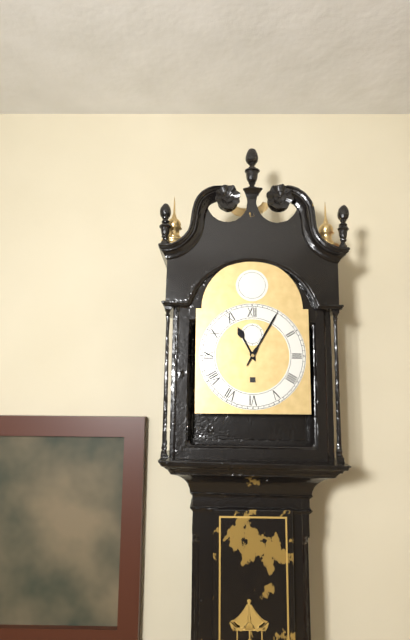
11h05
